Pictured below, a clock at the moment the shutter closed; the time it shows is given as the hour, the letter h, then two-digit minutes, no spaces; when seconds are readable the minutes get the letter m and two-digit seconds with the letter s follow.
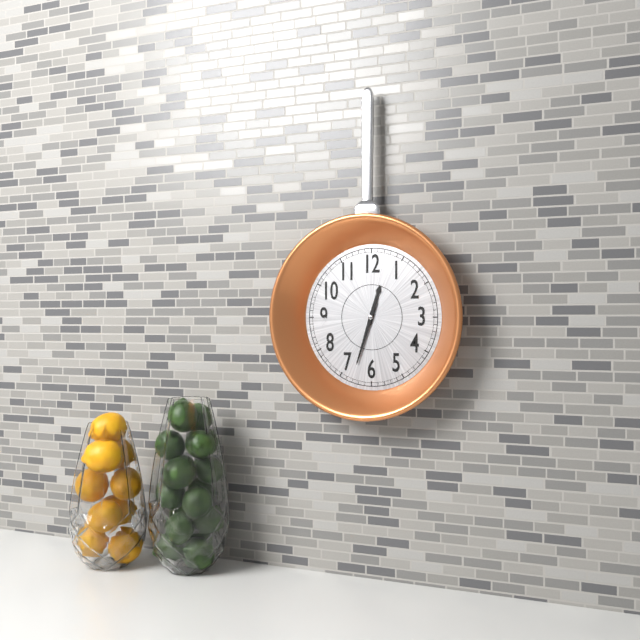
12h33
